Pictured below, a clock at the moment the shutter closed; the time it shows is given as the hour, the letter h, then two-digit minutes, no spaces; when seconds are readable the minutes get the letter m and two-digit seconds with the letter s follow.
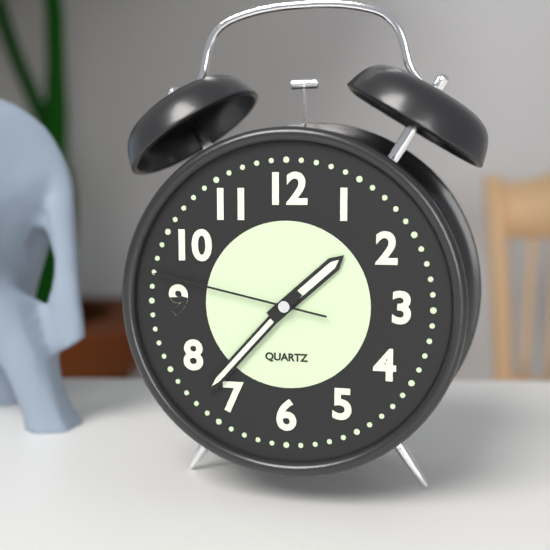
1h37m47s
